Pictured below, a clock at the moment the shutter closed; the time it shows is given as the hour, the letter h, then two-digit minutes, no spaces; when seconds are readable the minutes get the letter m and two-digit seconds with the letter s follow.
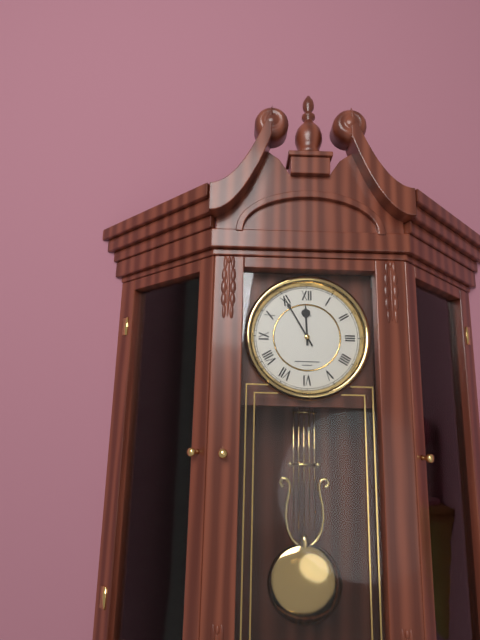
11h55
